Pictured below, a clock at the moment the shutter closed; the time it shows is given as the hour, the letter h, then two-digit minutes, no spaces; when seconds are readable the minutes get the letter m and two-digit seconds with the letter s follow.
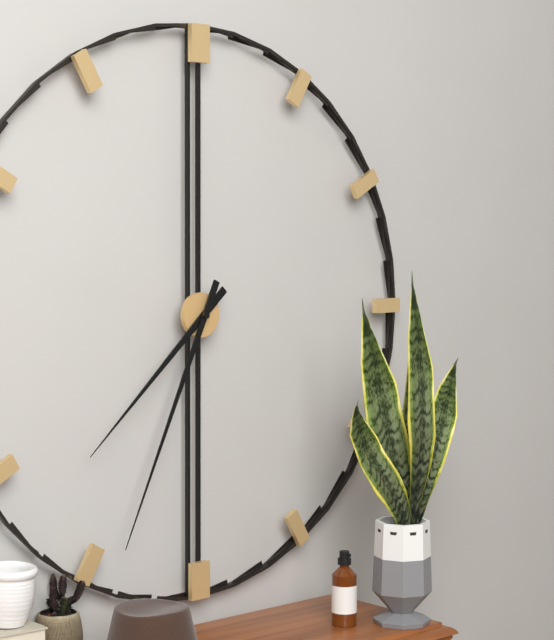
7h34
